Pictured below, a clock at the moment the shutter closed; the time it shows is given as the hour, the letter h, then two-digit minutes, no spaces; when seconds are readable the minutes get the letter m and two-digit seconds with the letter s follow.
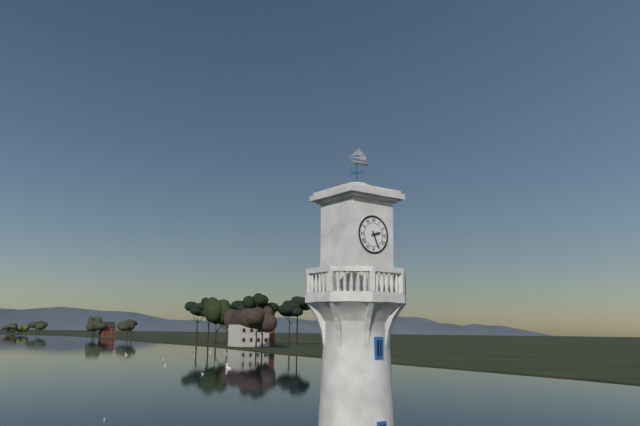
2h26
